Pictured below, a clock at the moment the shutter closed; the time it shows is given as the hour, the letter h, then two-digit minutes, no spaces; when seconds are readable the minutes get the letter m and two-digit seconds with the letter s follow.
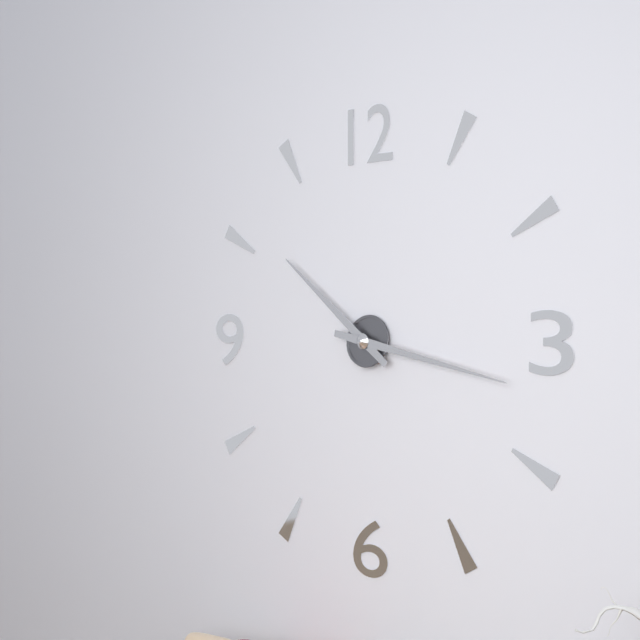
10h17
